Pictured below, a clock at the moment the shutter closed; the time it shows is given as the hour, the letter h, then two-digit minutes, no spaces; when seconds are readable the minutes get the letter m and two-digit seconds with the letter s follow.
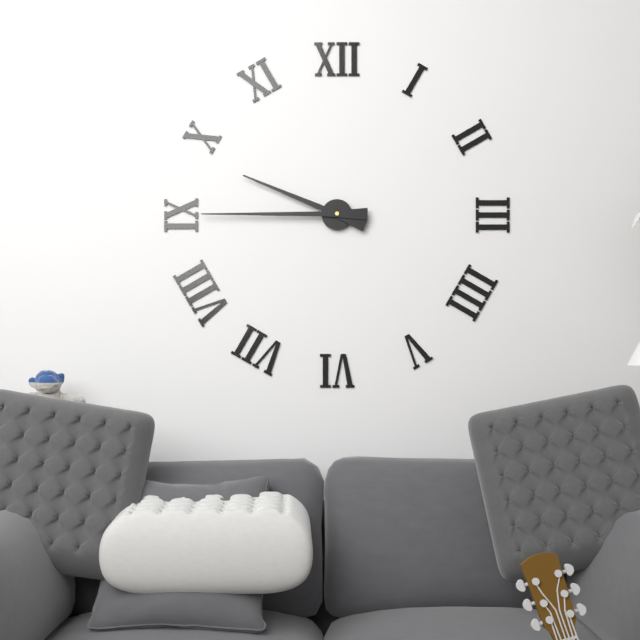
9h45
